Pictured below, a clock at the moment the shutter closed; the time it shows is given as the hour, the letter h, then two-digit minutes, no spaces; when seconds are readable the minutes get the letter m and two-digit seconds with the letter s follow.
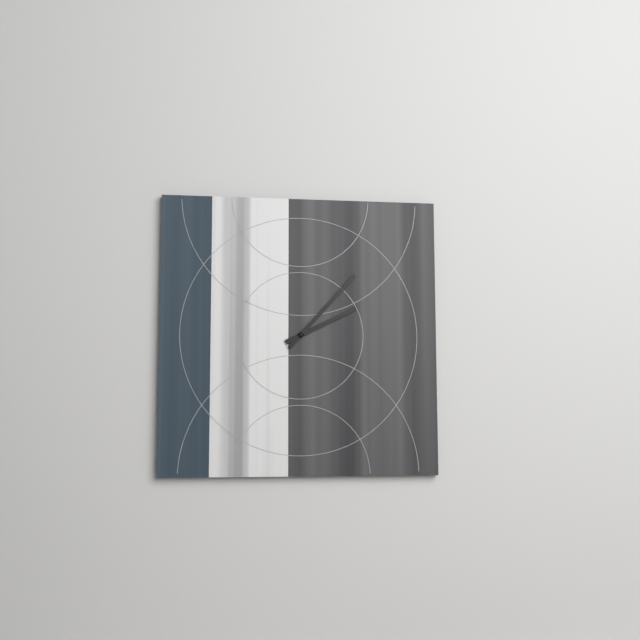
2h07
